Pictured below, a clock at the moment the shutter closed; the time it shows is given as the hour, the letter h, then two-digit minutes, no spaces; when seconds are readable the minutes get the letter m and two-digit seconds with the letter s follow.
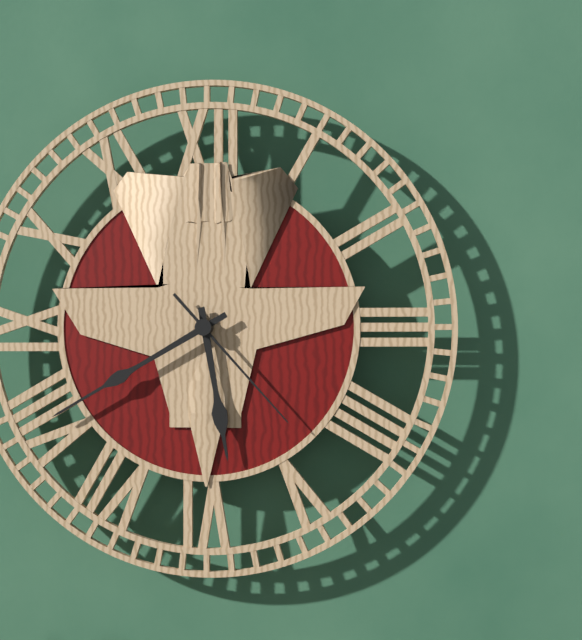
5h40m23s
